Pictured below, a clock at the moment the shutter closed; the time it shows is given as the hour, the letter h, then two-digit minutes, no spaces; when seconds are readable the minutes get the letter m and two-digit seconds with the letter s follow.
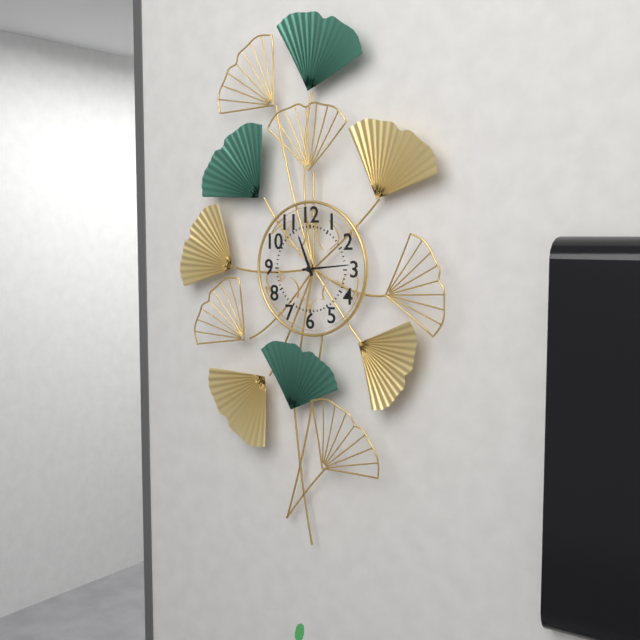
11h14
